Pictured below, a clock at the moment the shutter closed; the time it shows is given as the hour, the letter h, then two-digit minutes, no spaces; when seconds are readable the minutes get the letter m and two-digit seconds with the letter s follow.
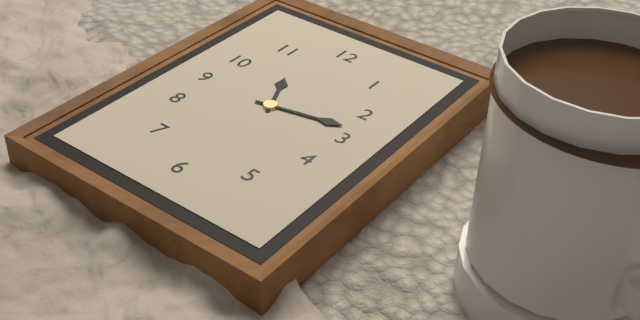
11h13
